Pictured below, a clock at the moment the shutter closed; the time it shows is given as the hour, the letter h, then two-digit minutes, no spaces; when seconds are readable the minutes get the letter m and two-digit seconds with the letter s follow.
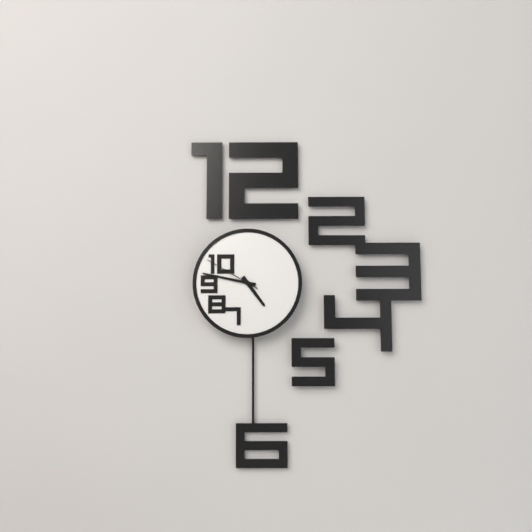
4h47m50s
